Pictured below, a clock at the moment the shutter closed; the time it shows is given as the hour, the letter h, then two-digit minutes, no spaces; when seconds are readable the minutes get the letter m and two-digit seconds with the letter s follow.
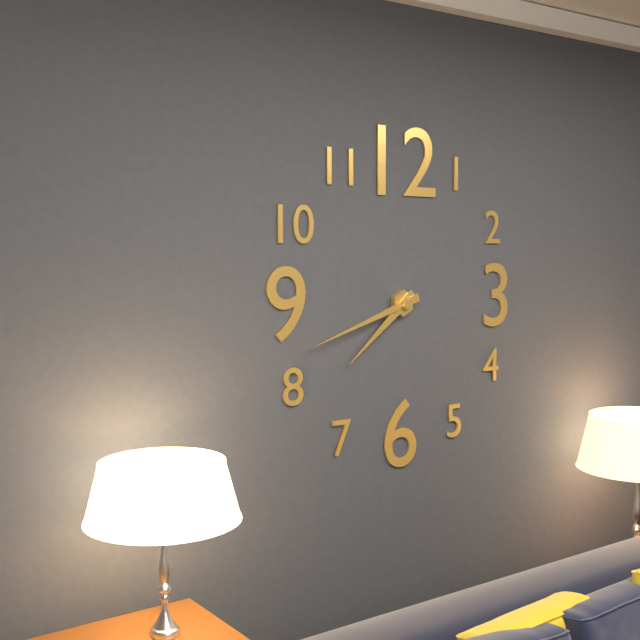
7h42
